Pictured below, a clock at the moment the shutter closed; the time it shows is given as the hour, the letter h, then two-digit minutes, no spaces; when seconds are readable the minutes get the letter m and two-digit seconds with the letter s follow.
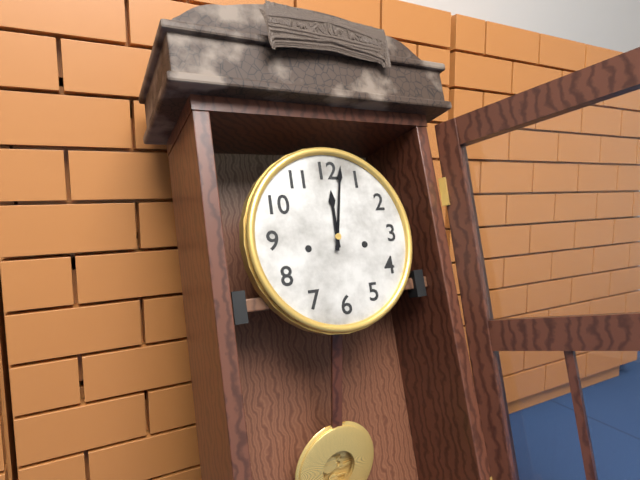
12h02
